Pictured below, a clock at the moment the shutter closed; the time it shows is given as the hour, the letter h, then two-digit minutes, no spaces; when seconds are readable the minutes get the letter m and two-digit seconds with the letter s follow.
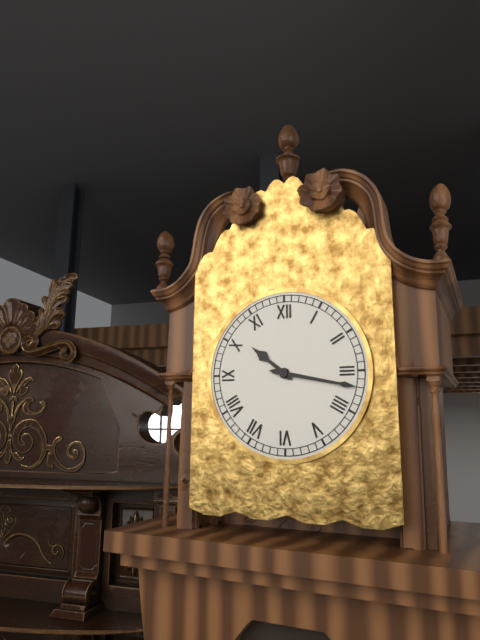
10h17
